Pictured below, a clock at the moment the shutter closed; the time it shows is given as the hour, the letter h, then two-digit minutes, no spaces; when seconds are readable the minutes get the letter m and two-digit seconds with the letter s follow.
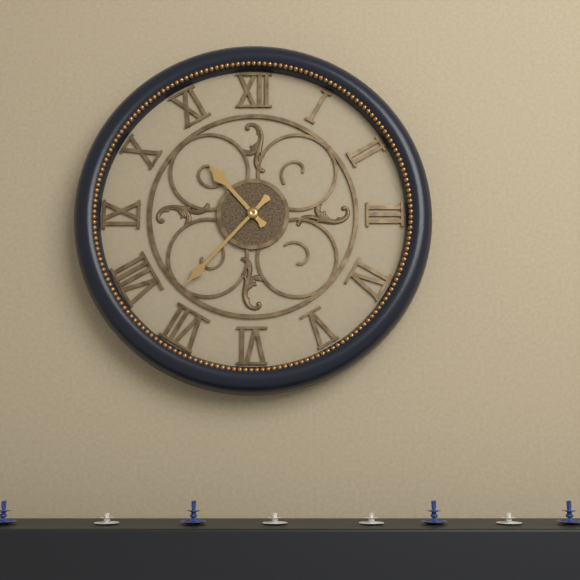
10h37
